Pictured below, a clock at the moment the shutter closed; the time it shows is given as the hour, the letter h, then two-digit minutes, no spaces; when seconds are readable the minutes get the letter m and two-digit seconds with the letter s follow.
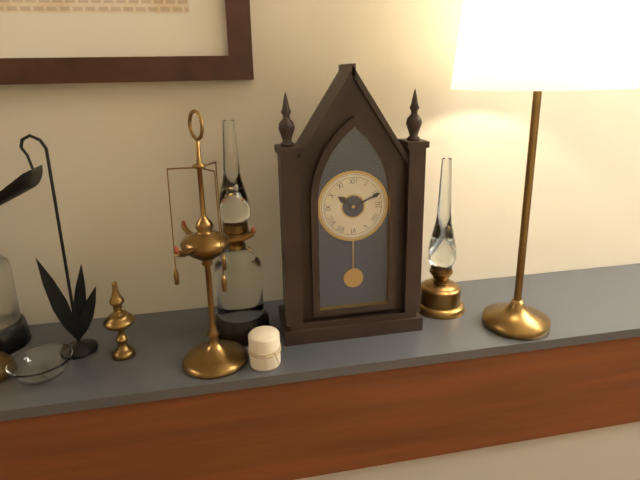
10h11
